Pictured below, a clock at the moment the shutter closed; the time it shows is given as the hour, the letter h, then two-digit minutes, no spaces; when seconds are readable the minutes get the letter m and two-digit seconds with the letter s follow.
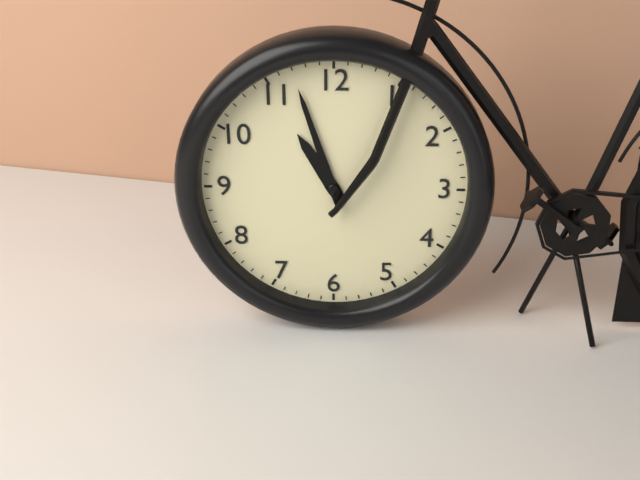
10h57
